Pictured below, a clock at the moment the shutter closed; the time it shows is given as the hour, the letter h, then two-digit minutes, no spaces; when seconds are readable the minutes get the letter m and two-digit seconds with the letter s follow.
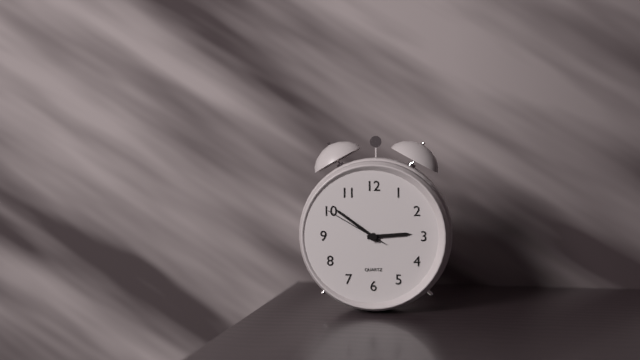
2h51m50s
